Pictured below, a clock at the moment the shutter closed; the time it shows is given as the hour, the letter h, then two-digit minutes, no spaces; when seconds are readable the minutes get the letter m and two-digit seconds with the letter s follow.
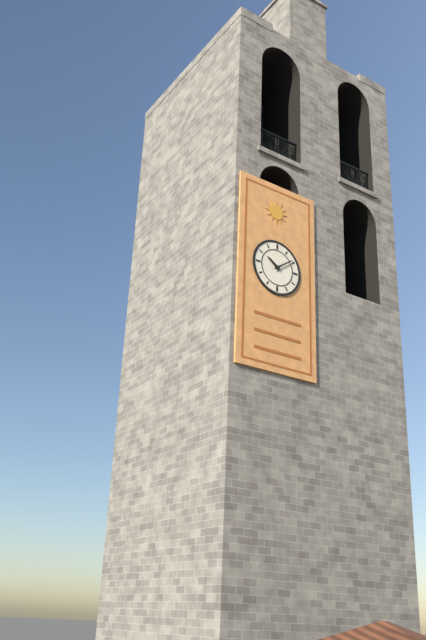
10h09
